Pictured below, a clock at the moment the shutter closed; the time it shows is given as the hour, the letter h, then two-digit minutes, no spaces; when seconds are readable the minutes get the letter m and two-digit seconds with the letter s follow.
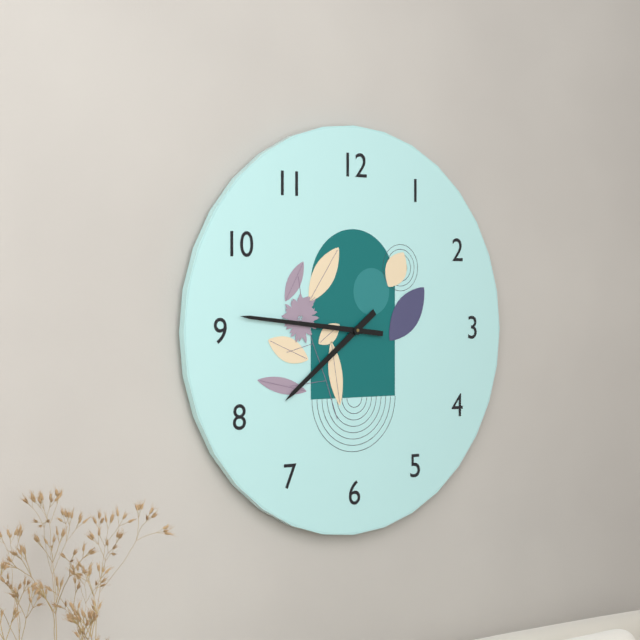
7h46
